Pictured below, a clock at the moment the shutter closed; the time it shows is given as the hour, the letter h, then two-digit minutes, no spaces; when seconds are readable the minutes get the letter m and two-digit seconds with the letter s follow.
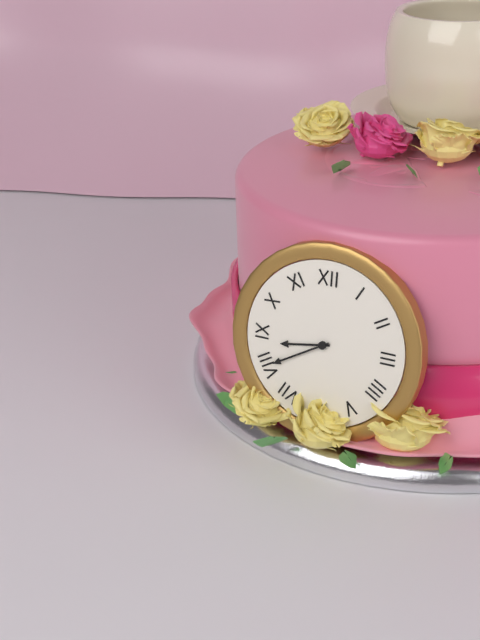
8h40
